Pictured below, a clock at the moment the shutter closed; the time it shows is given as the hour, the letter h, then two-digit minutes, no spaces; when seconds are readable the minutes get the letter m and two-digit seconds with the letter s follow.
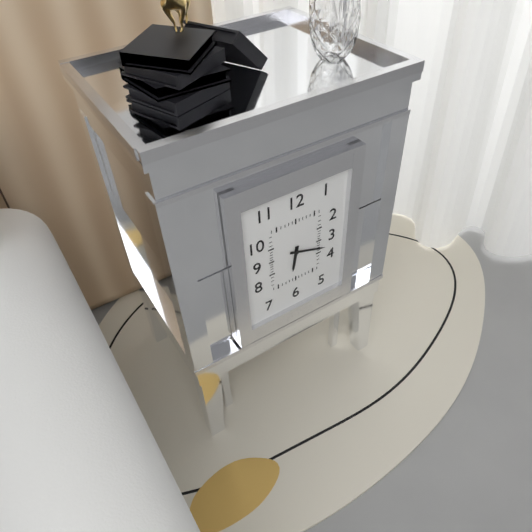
6h18
